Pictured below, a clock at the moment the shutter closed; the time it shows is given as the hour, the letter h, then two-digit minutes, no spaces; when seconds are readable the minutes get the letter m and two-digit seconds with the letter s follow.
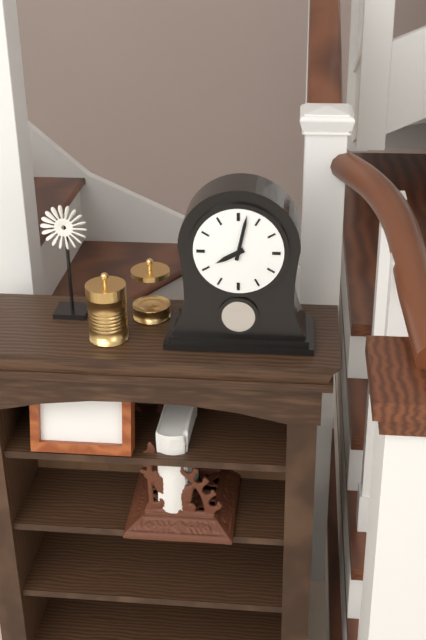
8h02
